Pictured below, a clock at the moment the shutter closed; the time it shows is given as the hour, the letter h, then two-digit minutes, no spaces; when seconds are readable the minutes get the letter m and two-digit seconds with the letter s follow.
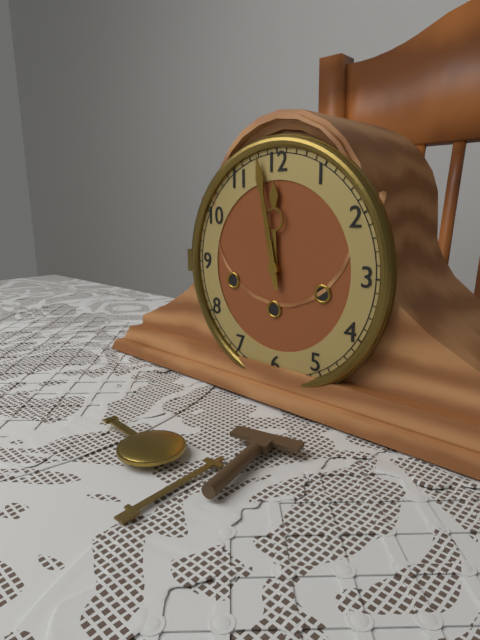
11h58
